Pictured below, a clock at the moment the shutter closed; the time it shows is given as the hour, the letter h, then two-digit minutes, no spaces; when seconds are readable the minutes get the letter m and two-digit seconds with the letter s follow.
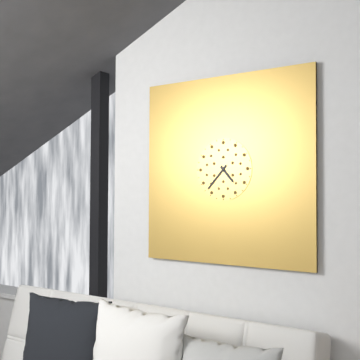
4h37
